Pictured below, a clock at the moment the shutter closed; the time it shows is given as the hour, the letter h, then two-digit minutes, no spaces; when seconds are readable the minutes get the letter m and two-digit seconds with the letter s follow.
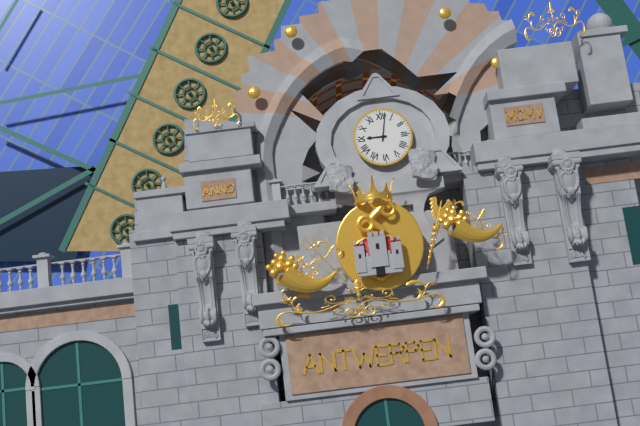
9h02
